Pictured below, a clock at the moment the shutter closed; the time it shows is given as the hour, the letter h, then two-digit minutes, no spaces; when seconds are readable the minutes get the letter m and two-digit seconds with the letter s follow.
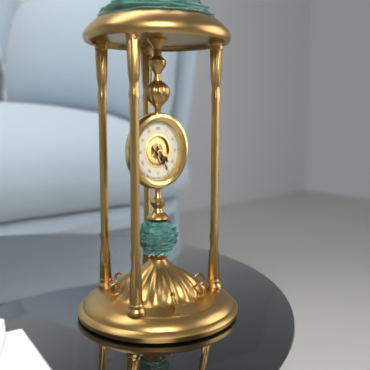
4h25
